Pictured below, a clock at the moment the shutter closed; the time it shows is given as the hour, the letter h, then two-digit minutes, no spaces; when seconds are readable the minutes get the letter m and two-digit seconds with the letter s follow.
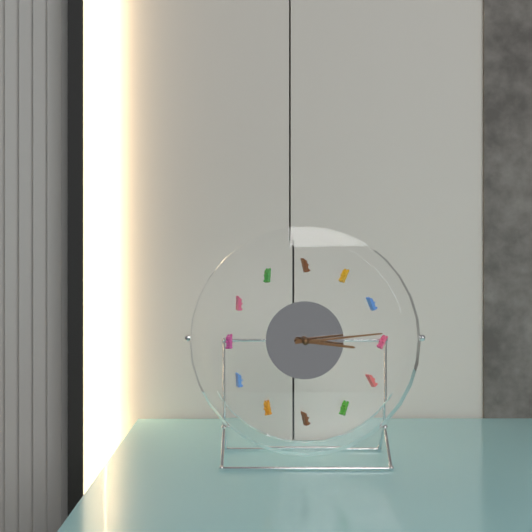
3h14
